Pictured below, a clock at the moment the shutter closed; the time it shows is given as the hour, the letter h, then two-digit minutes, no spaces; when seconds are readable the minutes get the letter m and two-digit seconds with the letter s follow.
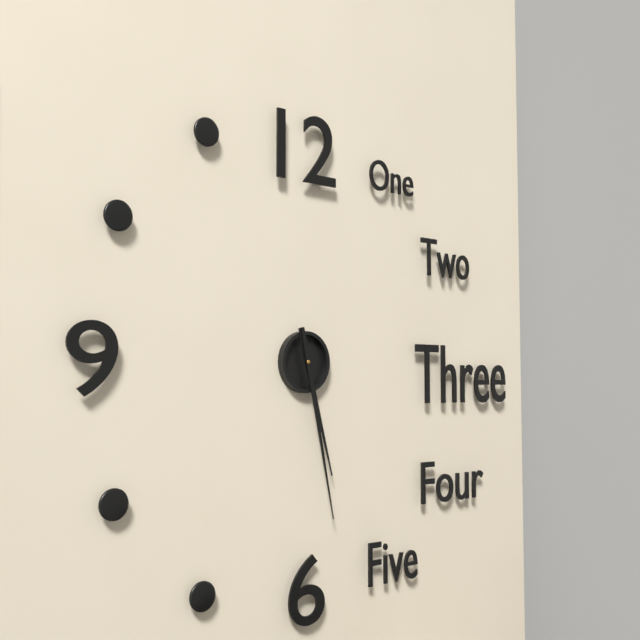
5h28
